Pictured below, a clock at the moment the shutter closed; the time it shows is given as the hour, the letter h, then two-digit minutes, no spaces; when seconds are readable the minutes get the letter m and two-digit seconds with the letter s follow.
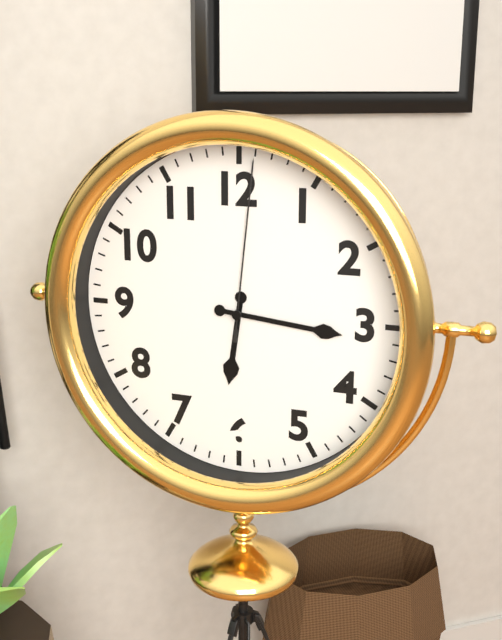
6h16m01s
